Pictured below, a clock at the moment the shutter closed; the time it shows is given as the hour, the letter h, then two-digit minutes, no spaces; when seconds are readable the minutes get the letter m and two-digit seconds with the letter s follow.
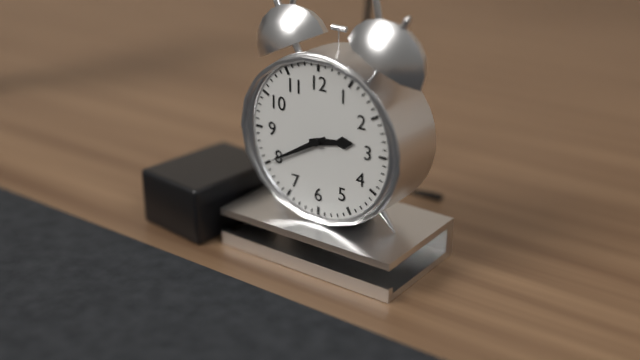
2h40
